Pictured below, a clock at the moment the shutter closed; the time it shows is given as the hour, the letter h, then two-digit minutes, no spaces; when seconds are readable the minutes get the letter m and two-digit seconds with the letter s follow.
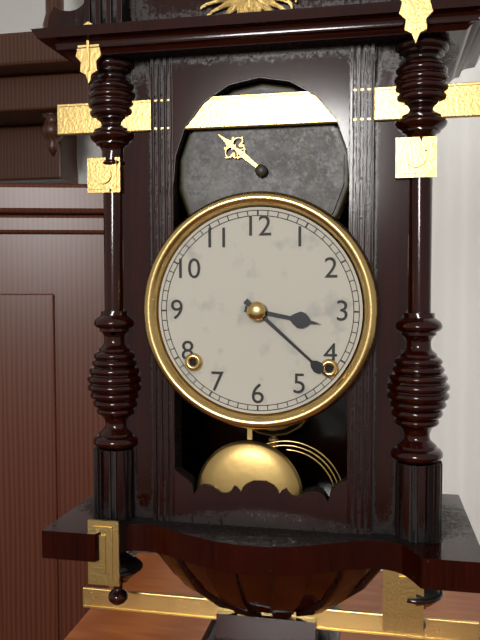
3h22
